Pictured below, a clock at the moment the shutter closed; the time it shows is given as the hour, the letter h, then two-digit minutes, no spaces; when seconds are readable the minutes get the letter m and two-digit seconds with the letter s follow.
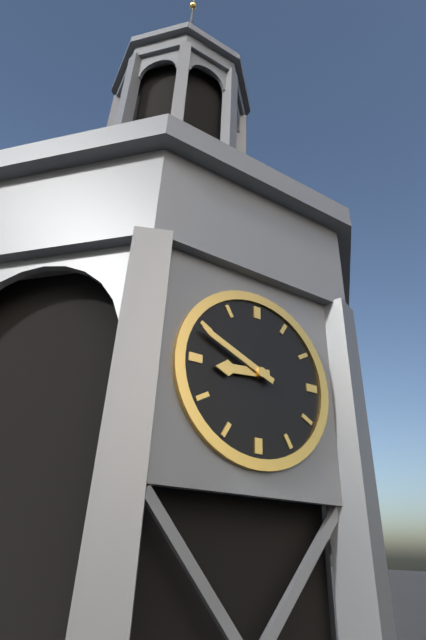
8h49
